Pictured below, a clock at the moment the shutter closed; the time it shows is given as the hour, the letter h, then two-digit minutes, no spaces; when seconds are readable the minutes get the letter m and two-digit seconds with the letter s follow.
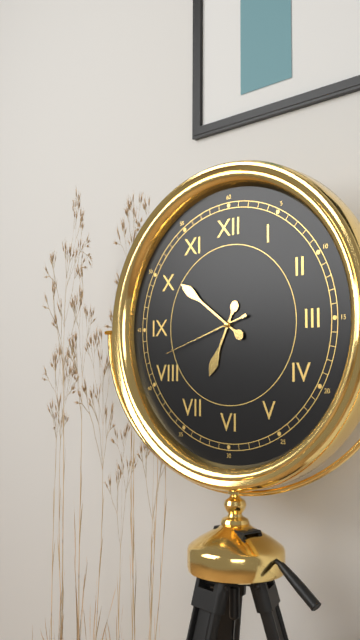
6h51m42s
